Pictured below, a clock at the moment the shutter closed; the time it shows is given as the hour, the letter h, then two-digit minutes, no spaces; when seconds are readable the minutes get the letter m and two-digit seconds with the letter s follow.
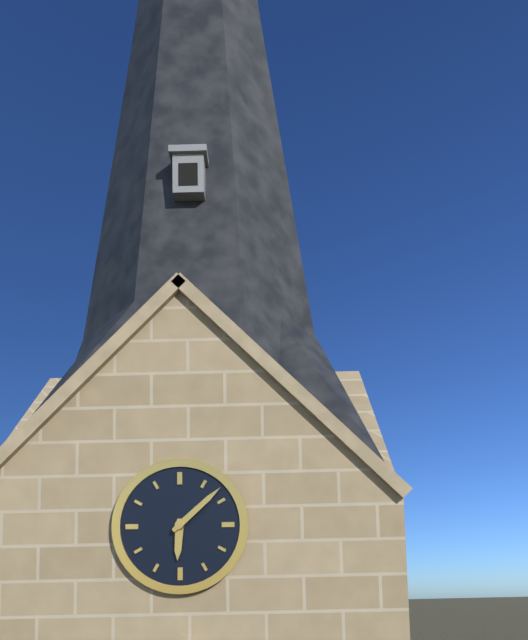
6h08
